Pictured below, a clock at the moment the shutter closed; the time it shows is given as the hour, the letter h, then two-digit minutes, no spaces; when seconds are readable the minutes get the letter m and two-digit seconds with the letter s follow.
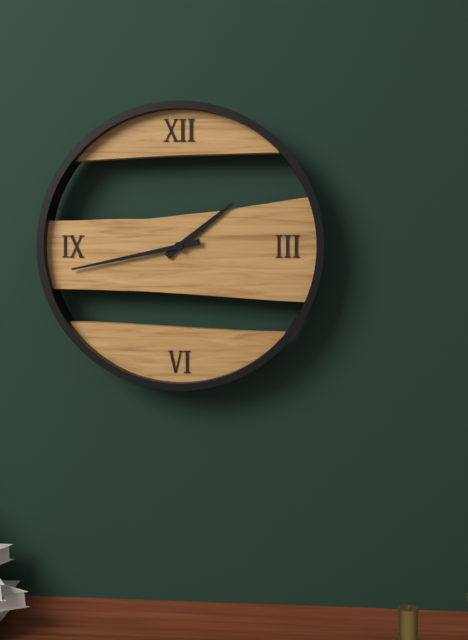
1h43
